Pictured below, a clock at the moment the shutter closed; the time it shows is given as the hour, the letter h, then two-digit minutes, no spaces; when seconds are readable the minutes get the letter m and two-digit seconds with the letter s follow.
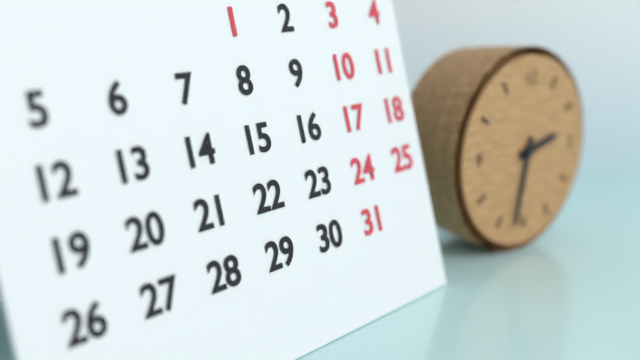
2h32
